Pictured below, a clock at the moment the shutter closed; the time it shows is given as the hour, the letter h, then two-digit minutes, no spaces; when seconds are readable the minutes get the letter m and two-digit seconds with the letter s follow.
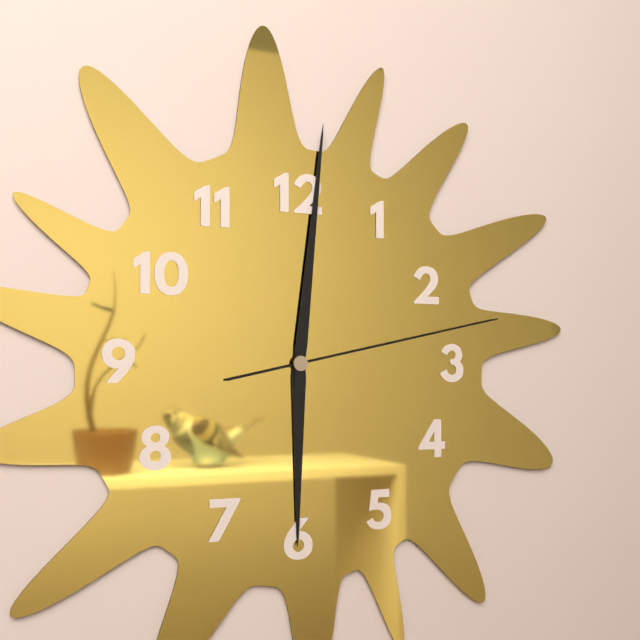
6h01m13s
